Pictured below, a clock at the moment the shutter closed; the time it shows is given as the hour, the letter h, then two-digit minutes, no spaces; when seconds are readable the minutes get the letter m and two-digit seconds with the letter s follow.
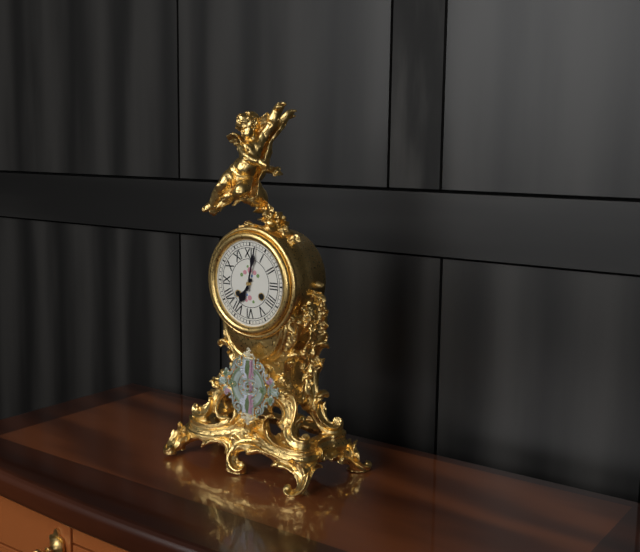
7h02
